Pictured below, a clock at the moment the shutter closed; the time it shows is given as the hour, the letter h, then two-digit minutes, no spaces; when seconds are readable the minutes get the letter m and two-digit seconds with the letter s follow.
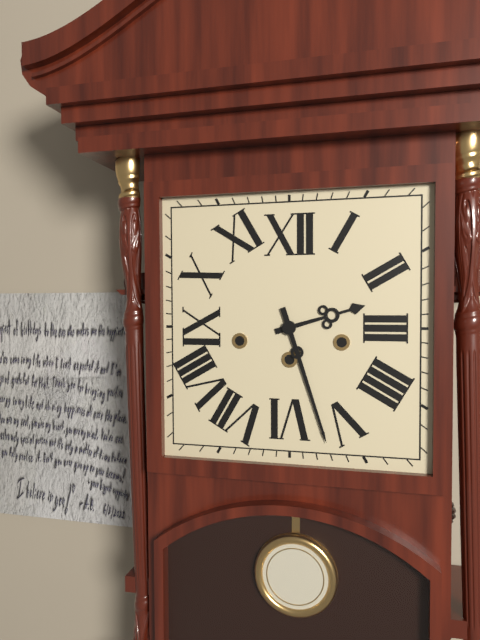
2h27
